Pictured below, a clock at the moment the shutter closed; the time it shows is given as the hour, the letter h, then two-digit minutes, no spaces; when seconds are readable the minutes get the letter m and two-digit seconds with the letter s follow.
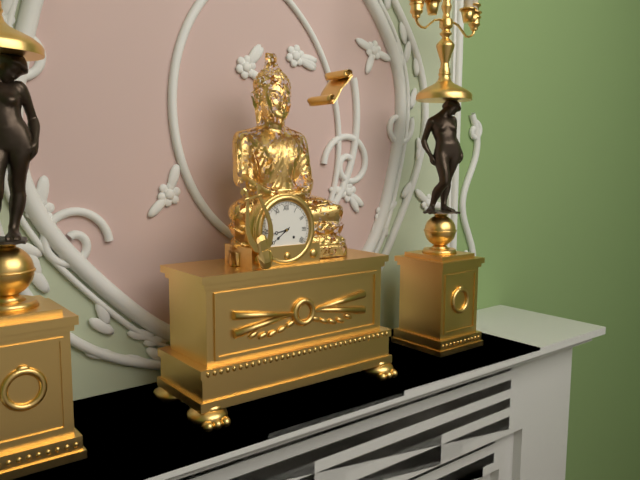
8h39
